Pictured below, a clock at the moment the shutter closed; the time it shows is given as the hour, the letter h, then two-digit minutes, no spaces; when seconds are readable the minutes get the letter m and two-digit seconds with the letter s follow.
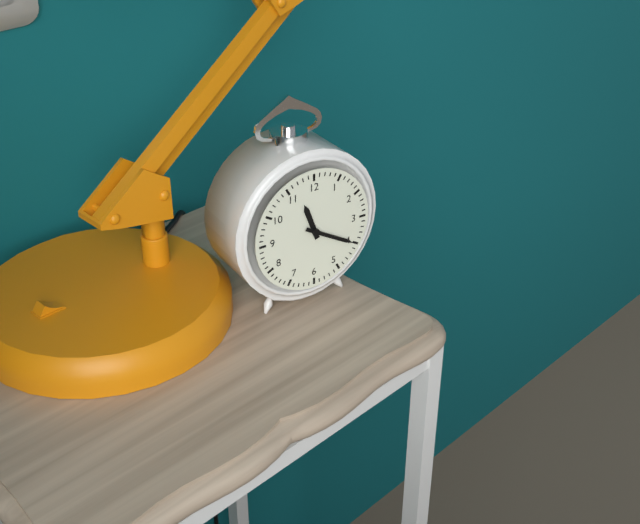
11h20
